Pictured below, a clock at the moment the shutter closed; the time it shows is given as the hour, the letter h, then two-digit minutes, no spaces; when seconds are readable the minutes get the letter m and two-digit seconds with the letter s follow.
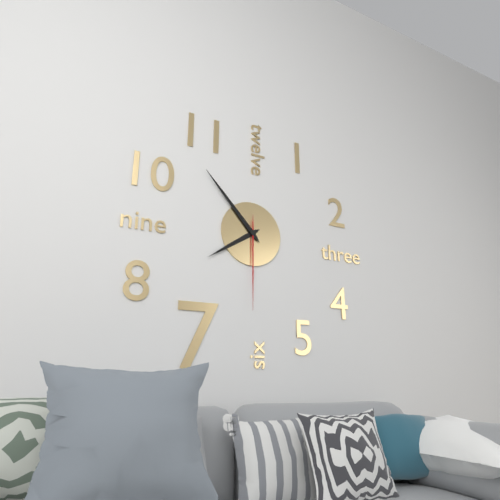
7h53m30s
